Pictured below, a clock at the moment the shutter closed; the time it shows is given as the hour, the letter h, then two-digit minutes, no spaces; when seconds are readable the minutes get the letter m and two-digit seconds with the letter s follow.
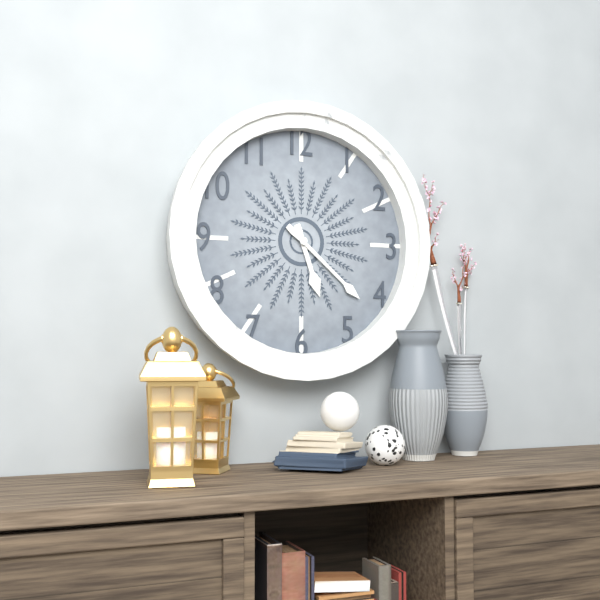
5h22
